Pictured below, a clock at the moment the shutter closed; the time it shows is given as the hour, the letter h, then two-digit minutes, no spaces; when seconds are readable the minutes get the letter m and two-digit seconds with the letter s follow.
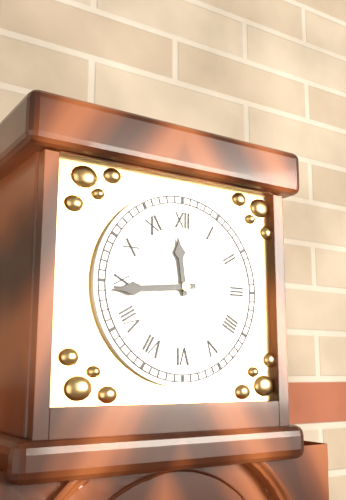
11h44
